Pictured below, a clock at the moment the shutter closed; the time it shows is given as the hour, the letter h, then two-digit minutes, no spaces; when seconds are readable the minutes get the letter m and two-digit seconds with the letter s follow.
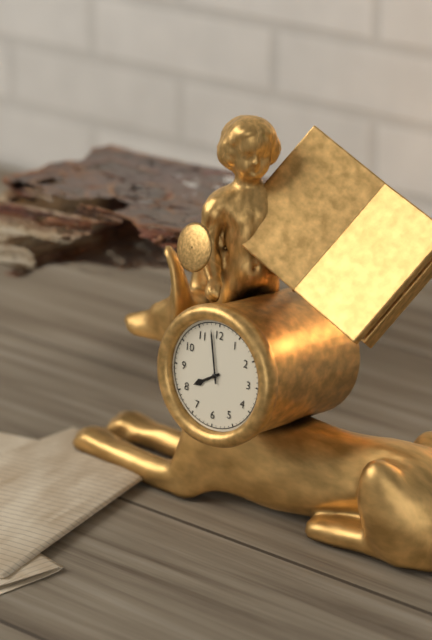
7h58
